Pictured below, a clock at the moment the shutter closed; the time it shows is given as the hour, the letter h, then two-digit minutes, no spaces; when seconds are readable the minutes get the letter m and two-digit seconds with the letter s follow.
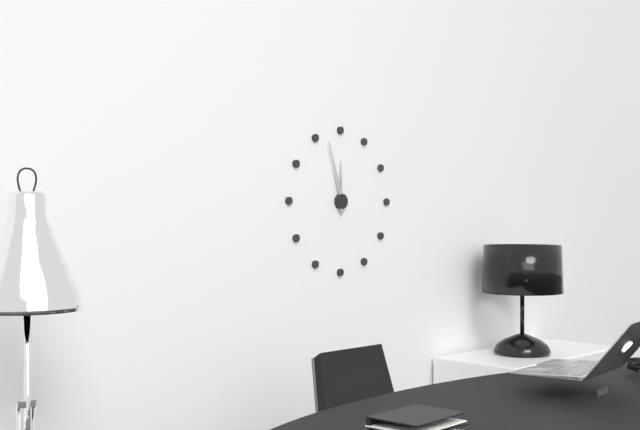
11h57
